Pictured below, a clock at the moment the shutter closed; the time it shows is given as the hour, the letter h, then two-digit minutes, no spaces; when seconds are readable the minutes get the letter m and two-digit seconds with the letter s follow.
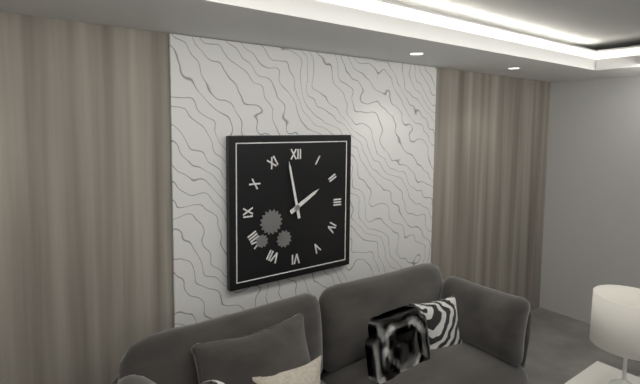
1h58
